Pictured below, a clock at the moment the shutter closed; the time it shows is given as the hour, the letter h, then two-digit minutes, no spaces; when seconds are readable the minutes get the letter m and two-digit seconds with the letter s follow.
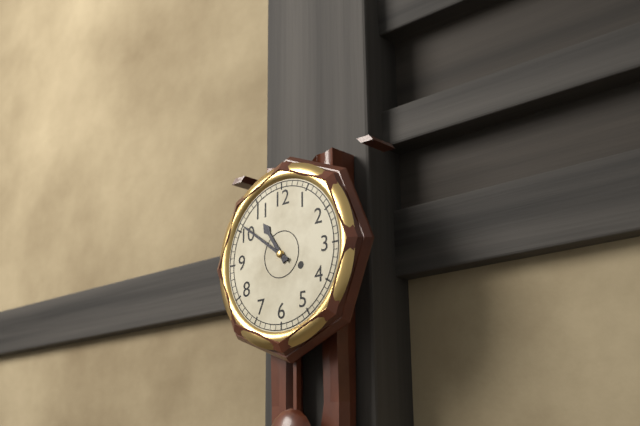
10h51
